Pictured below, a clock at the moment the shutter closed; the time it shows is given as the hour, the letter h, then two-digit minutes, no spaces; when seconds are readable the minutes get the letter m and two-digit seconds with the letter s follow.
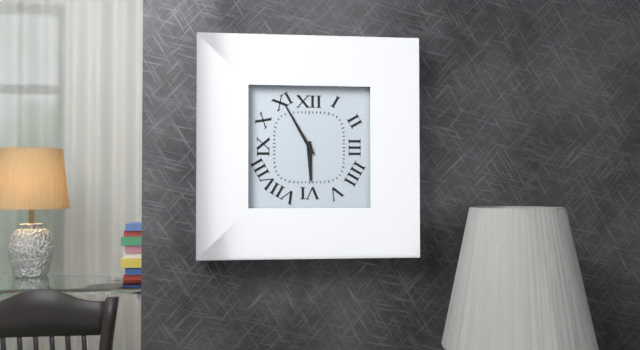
5h55
